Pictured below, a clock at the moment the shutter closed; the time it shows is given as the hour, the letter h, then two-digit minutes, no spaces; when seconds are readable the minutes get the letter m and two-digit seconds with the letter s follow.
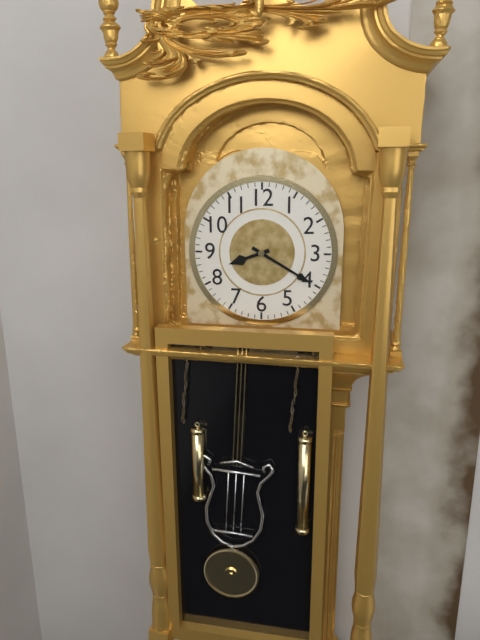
8h20
